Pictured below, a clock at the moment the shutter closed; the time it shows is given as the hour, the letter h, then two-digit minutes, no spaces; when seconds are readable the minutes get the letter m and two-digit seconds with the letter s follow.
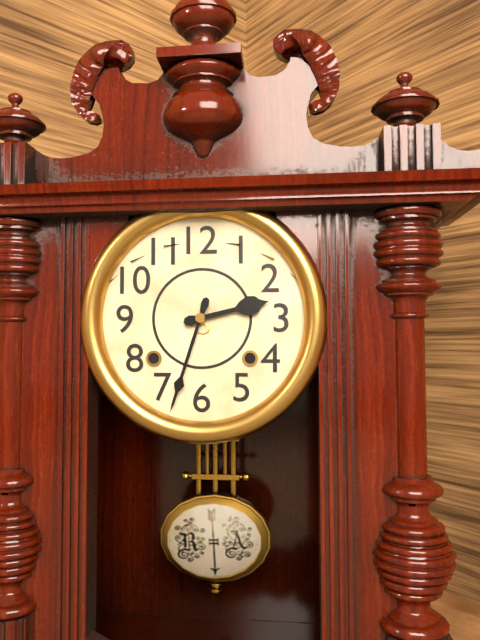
2h33
